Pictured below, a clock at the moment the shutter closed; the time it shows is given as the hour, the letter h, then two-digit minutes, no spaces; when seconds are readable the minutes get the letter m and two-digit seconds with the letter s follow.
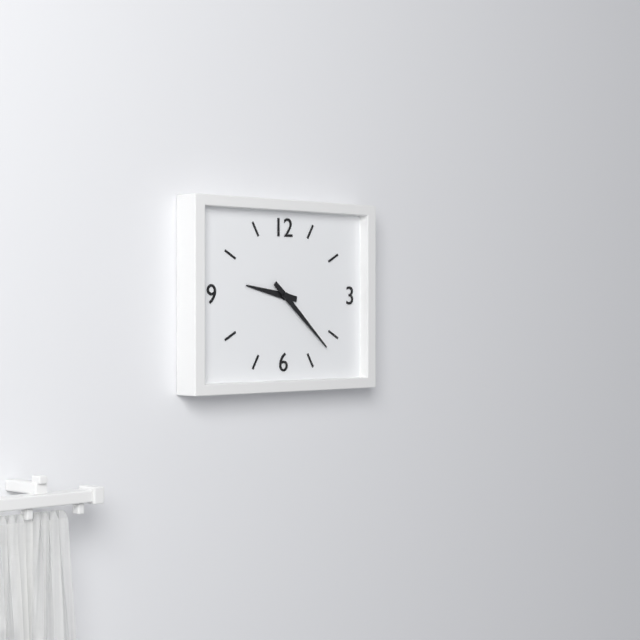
9h22
